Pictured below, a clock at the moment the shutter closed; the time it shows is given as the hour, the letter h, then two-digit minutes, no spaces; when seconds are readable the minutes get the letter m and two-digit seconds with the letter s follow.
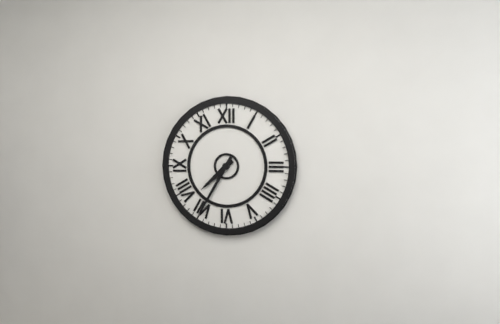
7h35
